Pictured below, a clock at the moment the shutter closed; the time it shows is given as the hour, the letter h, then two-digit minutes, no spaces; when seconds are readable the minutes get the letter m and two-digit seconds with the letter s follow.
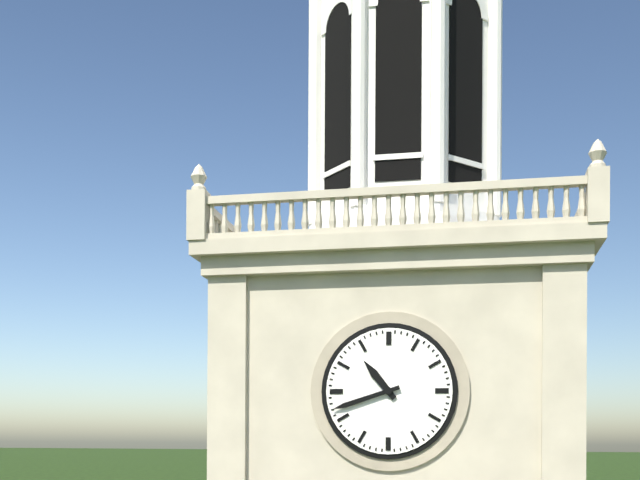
10h42
